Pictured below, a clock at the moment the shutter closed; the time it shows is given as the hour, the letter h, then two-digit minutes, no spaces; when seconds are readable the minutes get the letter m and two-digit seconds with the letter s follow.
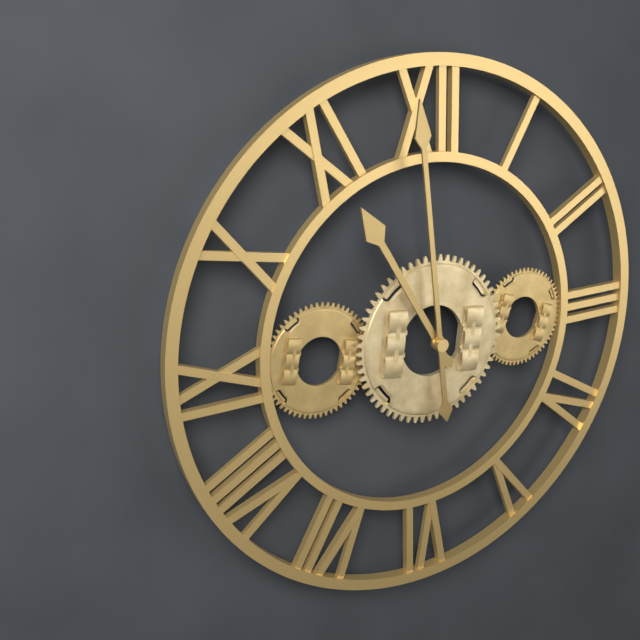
10h59
